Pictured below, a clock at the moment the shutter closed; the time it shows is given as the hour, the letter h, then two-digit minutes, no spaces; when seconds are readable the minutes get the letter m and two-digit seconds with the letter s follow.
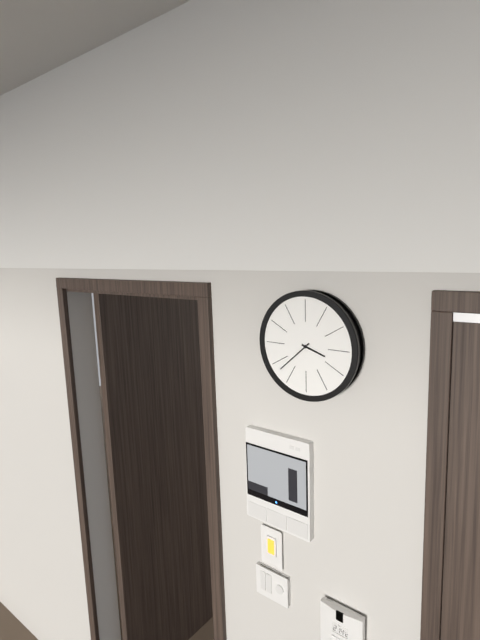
3h38
